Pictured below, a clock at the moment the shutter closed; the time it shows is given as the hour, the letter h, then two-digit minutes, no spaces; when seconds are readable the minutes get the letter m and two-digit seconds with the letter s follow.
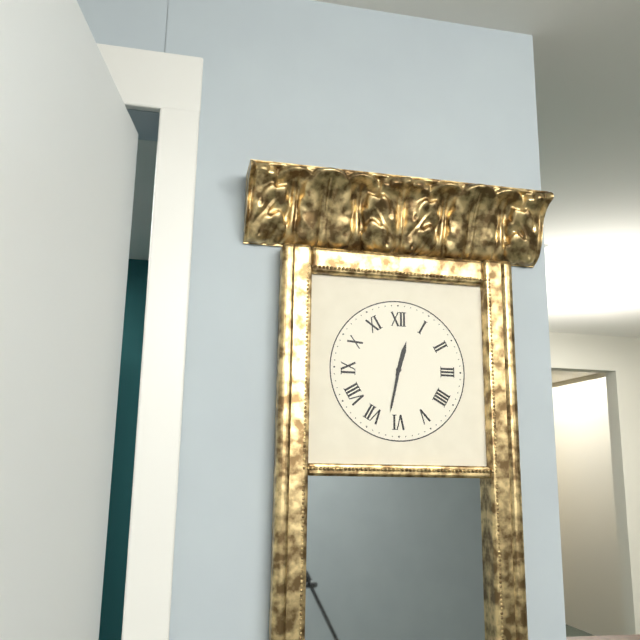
12h32
